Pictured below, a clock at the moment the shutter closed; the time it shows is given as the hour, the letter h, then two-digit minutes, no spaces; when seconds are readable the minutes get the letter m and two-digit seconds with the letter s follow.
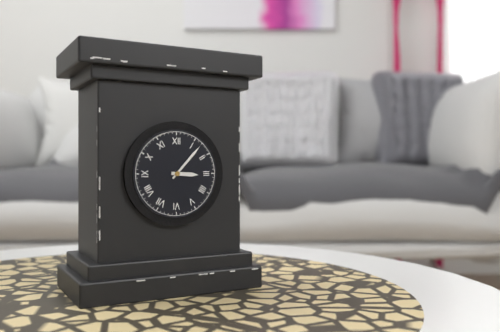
3h07
